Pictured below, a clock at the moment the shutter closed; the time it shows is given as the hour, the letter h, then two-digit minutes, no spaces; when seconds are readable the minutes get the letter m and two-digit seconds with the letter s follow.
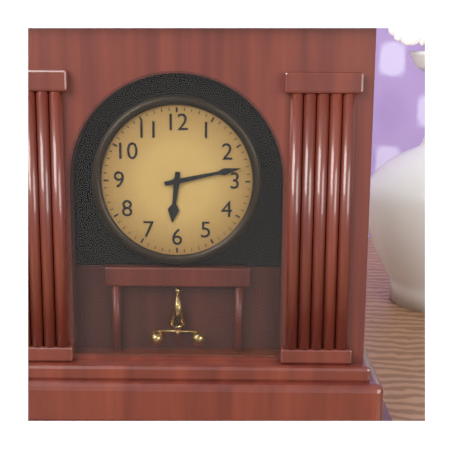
6h13
